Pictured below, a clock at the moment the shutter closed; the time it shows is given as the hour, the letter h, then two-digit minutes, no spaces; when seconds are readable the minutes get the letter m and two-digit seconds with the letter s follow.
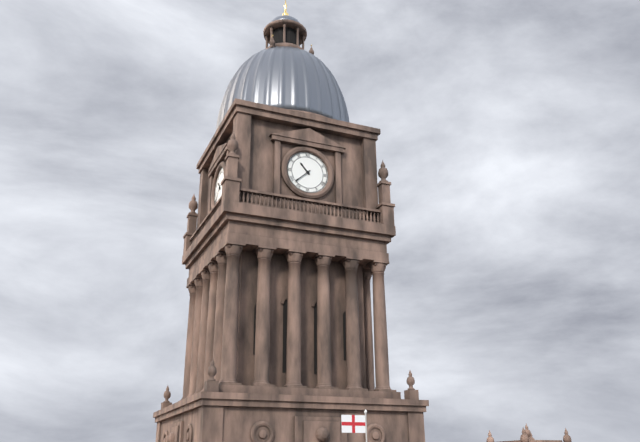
10h38
